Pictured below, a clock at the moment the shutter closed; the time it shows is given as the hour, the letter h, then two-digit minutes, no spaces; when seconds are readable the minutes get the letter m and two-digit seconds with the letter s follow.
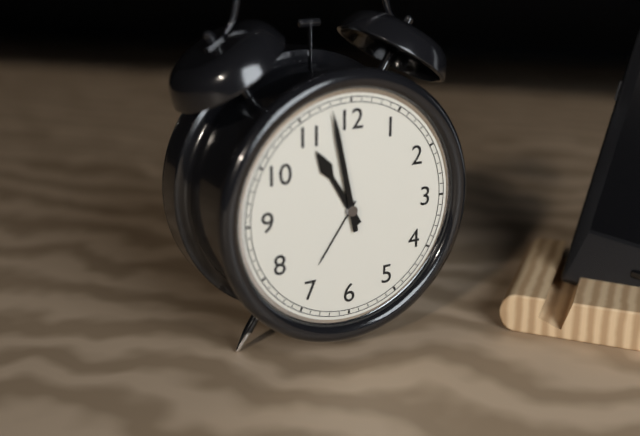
10h58
